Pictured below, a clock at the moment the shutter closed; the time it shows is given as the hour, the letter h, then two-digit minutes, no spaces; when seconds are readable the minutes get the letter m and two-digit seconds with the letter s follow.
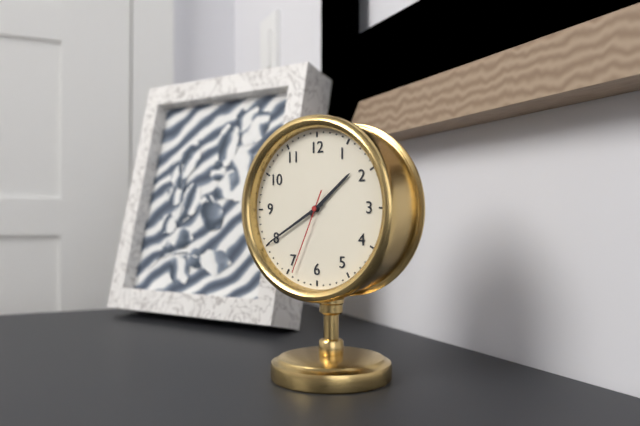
1h40m34s
